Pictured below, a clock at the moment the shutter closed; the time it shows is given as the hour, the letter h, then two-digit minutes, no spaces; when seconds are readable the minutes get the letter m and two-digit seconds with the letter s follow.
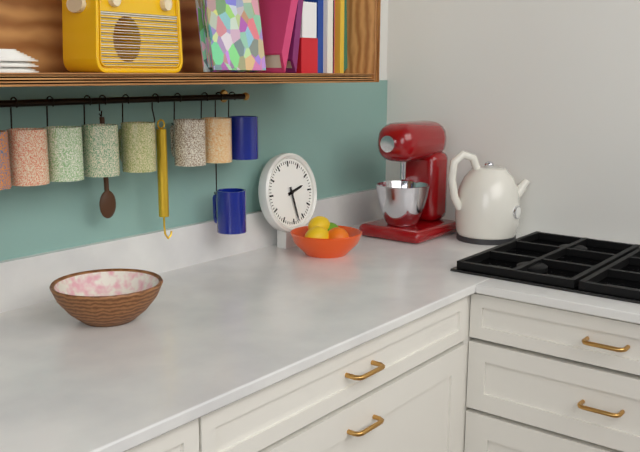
2h28
